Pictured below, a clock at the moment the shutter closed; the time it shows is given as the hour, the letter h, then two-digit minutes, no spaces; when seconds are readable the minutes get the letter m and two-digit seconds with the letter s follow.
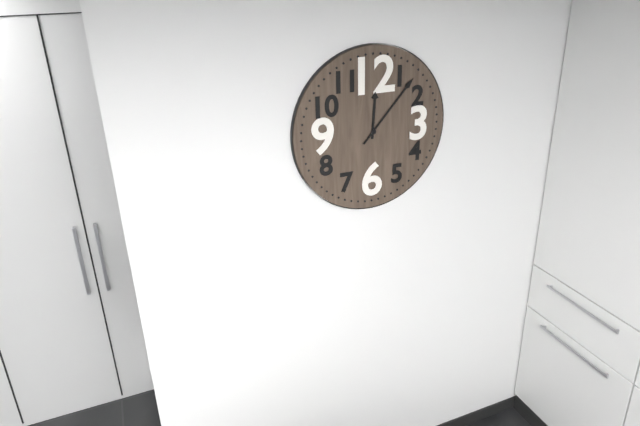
12h07
